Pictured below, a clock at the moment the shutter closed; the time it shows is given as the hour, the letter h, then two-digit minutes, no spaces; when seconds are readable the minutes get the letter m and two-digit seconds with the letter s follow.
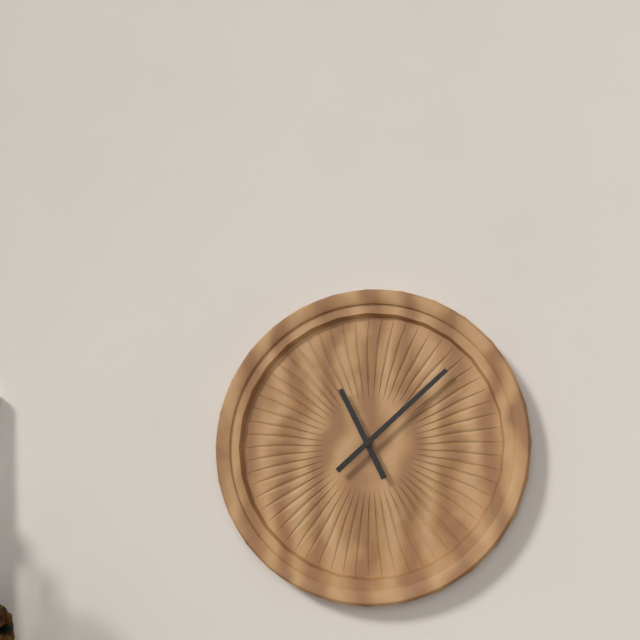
11h08
